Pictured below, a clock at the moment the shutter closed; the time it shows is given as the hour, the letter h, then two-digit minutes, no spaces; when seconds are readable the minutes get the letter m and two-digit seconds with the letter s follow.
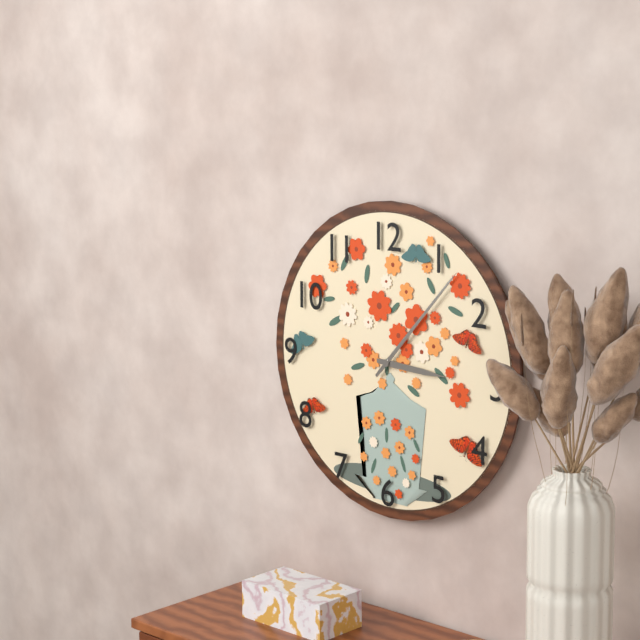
3h07
